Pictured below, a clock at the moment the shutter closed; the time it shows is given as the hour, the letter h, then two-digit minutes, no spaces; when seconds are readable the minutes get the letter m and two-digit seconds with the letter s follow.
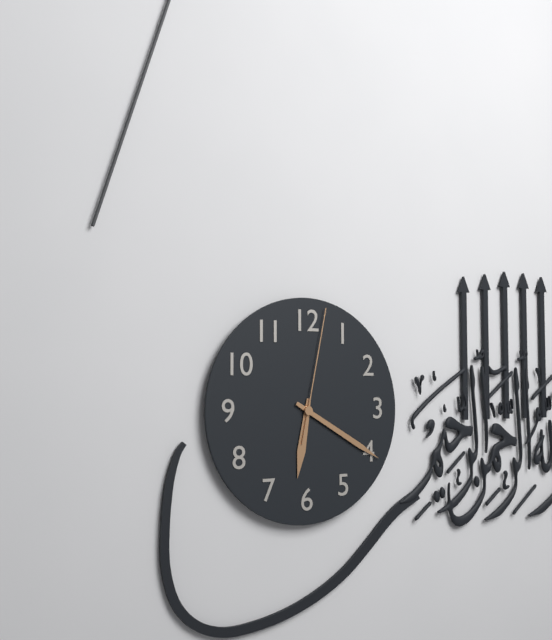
6h20m02s
